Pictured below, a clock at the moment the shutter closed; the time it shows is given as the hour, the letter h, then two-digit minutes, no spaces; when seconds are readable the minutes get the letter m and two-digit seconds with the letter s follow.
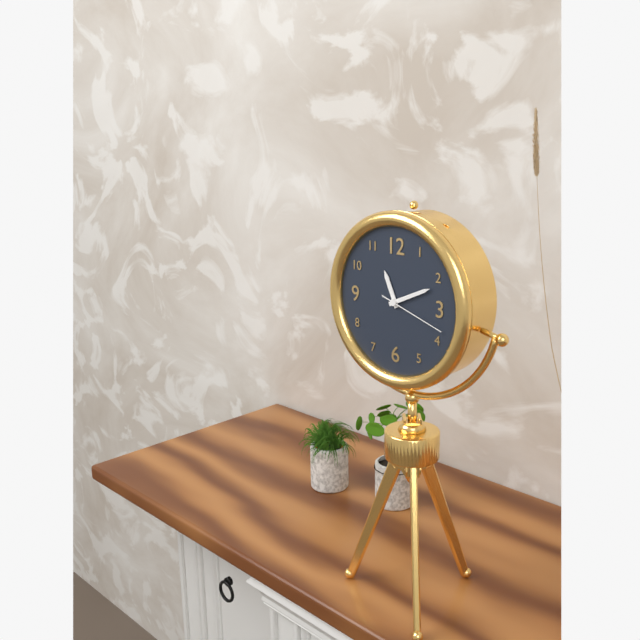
11h11m18s
